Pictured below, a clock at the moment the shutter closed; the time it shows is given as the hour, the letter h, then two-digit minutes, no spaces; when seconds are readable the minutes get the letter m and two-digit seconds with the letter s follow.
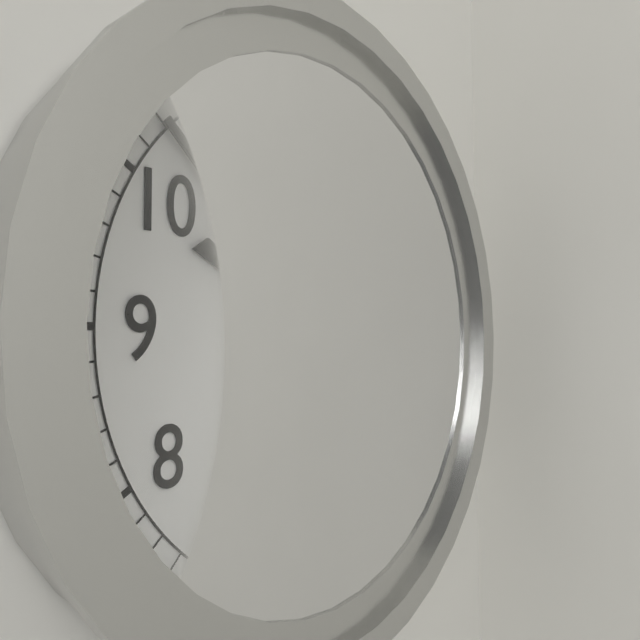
9h52
